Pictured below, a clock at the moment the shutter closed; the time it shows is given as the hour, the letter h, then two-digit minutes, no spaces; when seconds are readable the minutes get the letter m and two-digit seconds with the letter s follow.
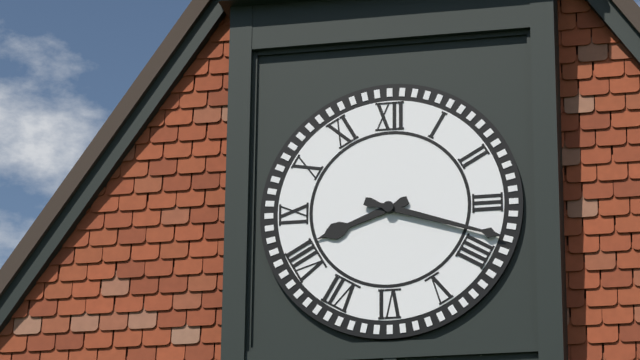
8h18
